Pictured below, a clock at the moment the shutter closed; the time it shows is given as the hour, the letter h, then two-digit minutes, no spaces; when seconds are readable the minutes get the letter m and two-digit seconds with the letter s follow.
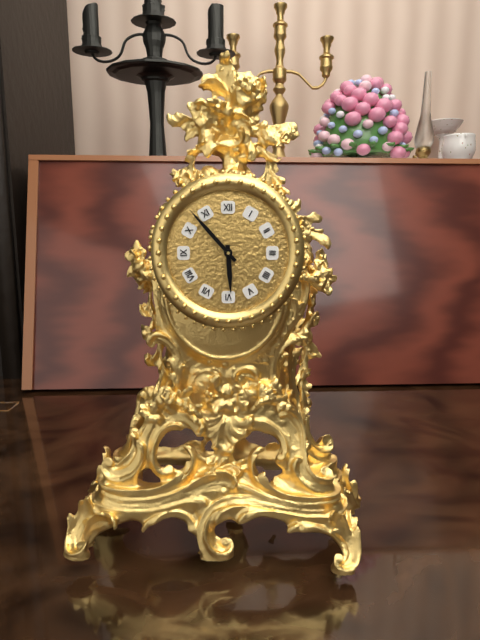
5h53
